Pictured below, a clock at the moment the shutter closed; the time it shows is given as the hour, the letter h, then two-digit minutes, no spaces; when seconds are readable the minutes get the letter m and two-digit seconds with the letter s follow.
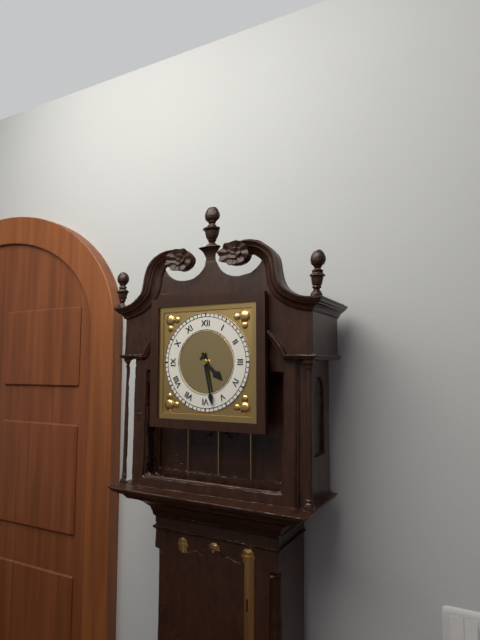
4h28
